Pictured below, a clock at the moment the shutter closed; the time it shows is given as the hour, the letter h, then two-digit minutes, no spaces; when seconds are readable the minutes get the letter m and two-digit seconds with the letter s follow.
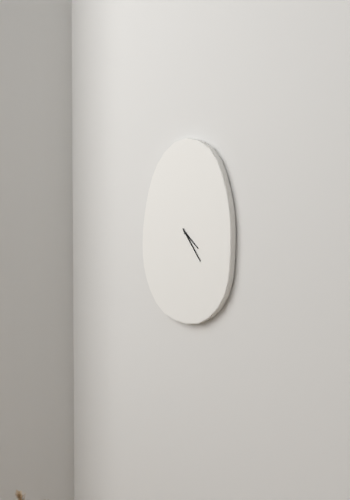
4h24
